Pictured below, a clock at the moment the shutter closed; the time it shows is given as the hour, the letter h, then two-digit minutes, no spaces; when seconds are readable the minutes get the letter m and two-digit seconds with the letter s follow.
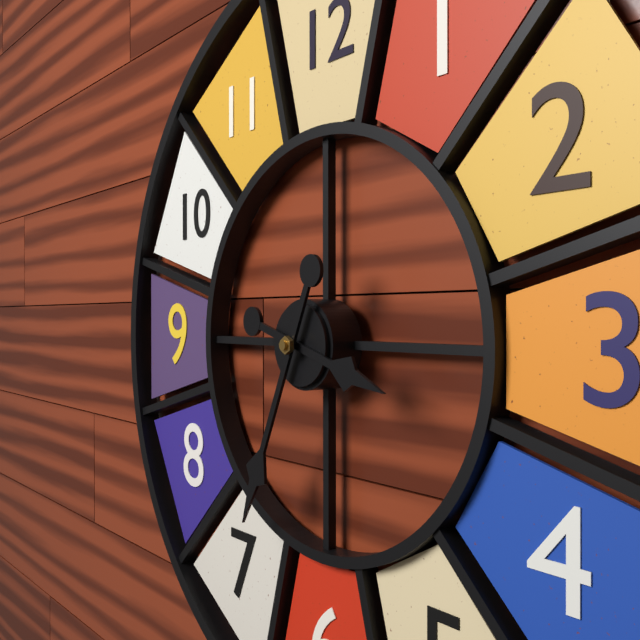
3h34
